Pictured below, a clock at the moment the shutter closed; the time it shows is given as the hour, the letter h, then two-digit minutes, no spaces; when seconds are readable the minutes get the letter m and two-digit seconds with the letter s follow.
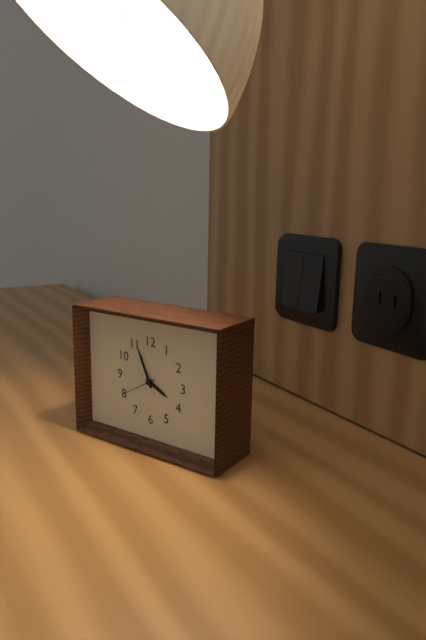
3h56m40s
